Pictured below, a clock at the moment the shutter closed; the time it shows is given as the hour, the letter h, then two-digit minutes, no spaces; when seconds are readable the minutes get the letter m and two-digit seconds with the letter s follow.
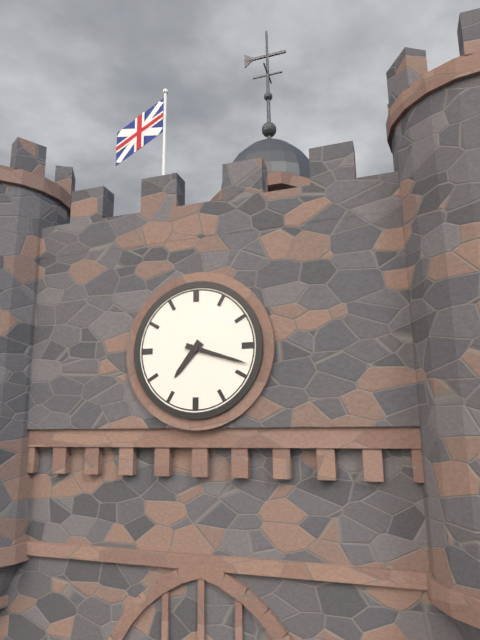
7h18
